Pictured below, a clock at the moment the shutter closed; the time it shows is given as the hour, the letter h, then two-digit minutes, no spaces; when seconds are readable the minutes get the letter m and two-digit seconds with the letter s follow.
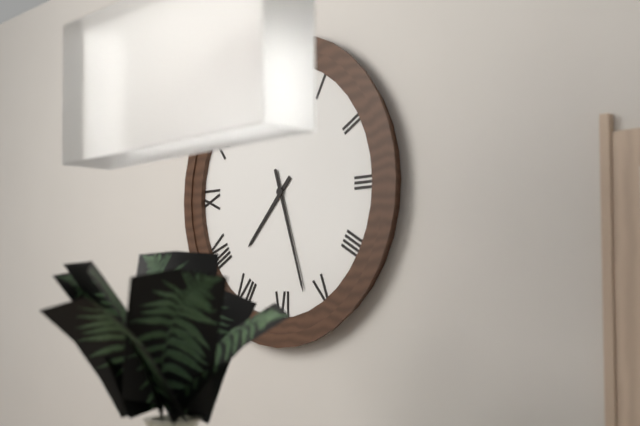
7h27
